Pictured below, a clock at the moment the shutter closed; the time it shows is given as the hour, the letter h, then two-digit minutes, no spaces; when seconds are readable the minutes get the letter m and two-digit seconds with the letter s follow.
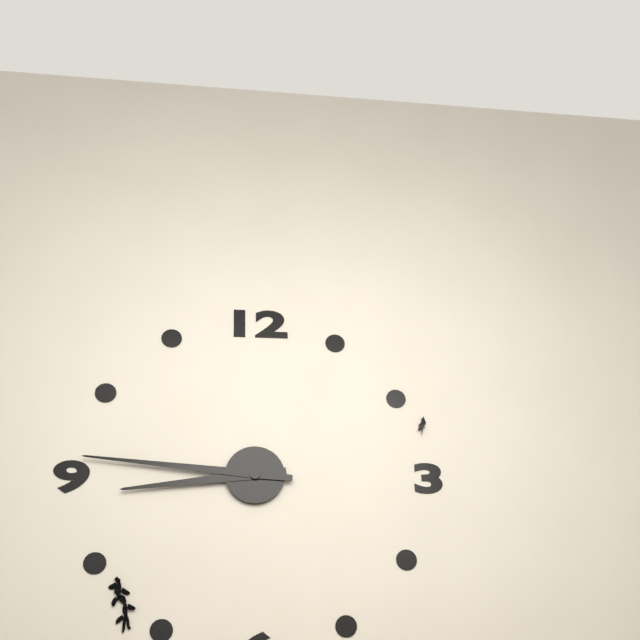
8h46
